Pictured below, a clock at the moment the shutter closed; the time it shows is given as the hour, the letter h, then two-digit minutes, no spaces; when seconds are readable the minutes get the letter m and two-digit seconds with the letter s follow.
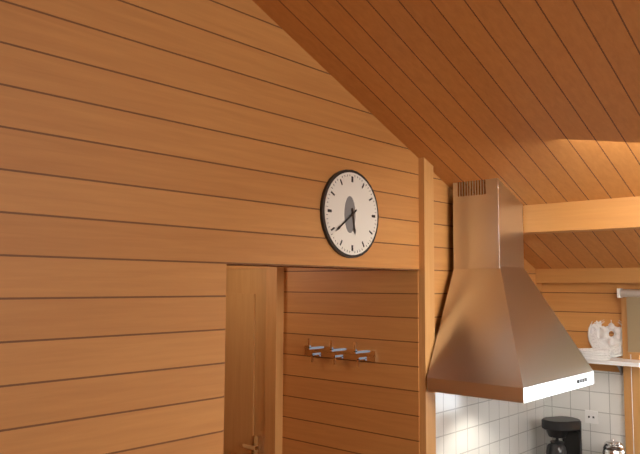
5h39
